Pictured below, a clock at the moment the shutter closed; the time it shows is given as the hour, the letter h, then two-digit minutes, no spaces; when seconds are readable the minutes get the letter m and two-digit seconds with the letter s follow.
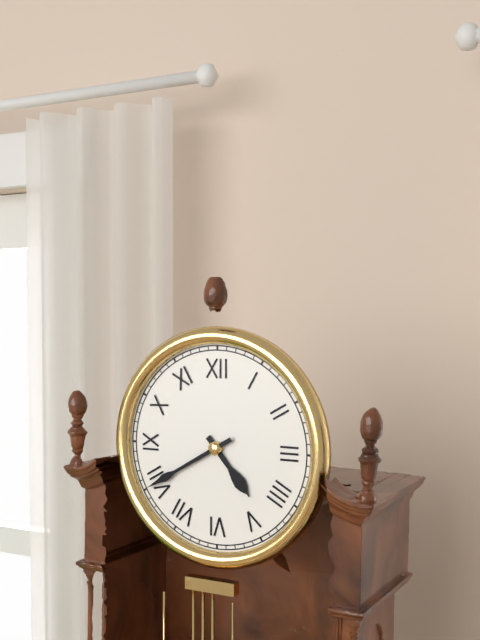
4h40
